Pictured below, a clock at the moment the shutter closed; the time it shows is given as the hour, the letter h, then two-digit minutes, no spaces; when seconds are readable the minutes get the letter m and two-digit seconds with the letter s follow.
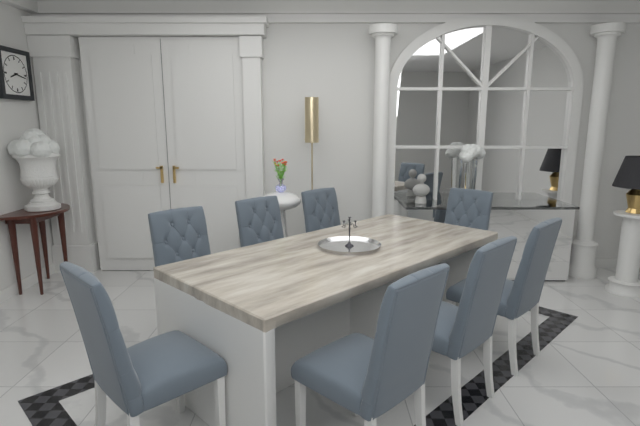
8h17
